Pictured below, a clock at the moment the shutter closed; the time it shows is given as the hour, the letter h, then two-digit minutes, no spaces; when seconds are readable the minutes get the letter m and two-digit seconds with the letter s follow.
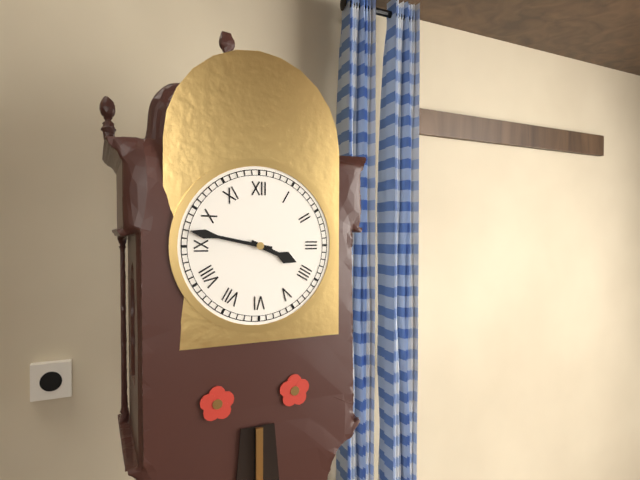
3h47
